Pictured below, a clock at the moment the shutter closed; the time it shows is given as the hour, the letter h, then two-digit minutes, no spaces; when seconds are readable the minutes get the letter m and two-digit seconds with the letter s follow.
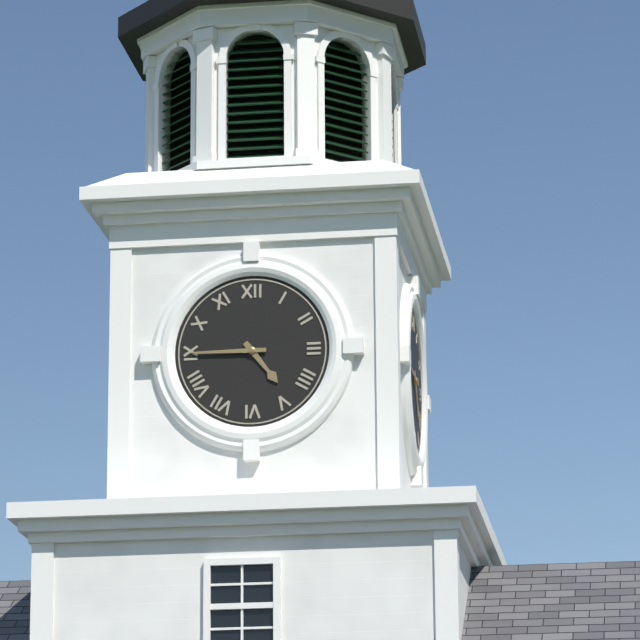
4h45
